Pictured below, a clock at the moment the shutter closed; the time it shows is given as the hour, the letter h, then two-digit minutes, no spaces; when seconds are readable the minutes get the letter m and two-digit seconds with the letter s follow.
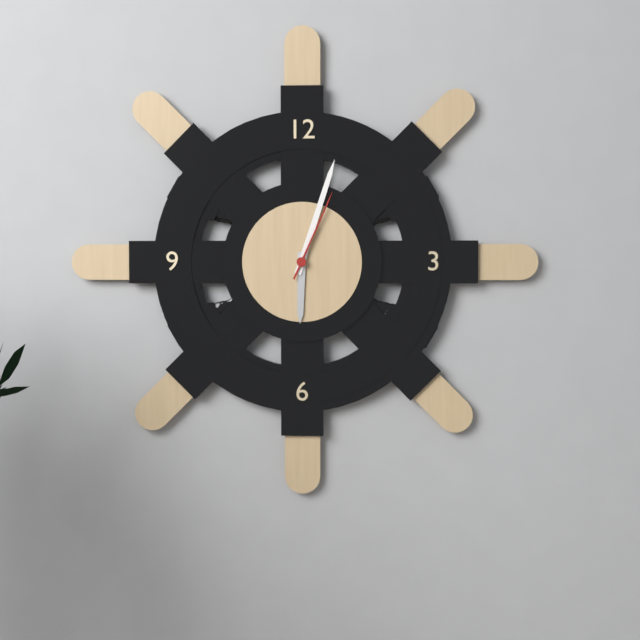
6h03m04s
